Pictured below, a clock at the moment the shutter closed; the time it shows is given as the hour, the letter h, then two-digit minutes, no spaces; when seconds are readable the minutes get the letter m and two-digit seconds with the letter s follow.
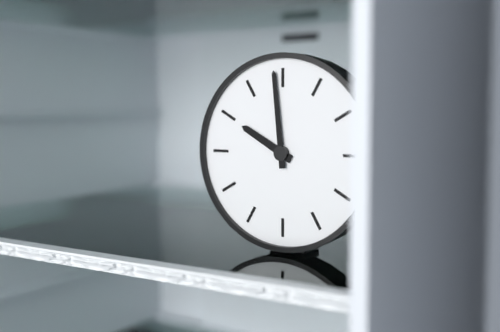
9h59
